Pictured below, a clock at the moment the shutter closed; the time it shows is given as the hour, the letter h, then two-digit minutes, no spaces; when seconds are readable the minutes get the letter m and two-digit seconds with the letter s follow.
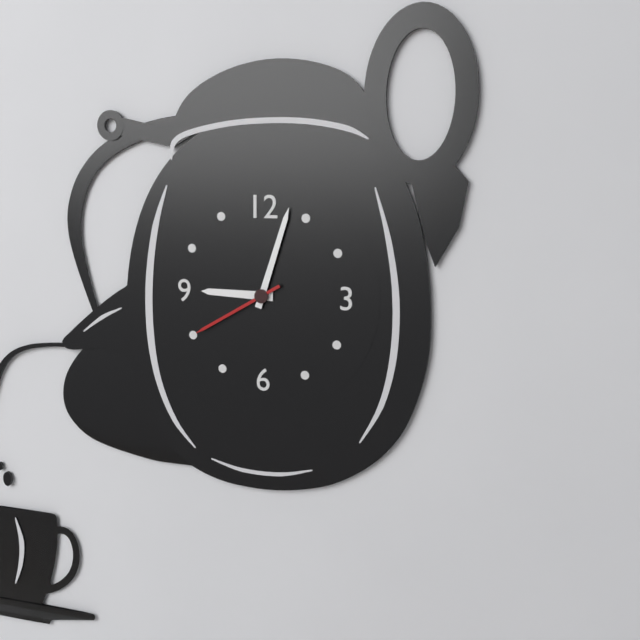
9h03m40s
